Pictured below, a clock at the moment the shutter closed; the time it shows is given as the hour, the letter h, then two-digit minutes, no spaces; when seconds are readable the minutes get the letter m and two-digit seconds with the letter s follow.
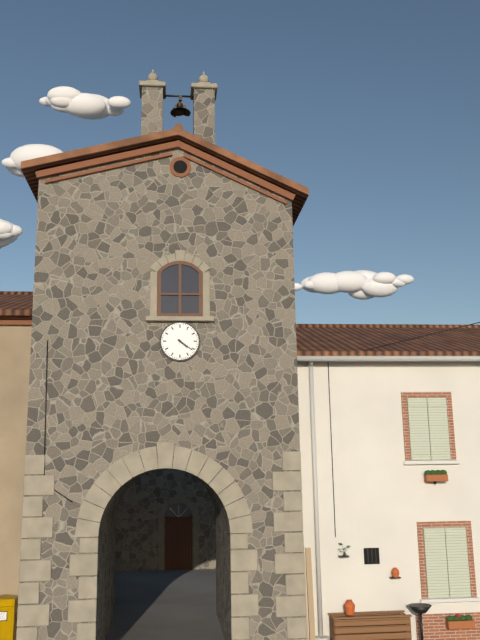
4h21
